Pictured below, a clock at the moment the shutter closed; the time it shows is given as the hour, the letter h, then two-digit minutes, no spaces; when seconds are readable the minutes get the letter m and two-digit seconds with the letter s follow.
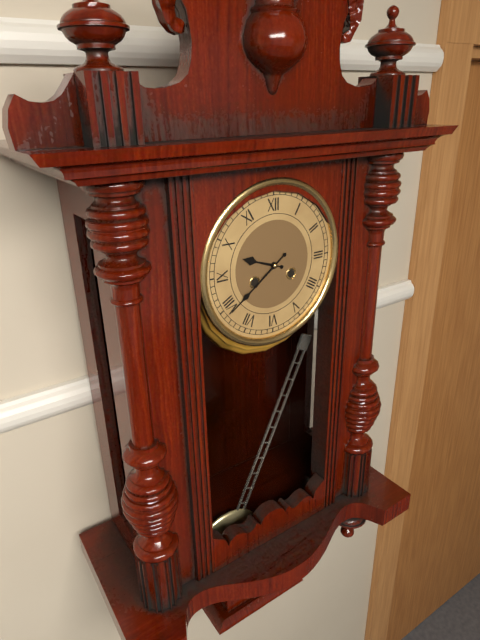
9h39
